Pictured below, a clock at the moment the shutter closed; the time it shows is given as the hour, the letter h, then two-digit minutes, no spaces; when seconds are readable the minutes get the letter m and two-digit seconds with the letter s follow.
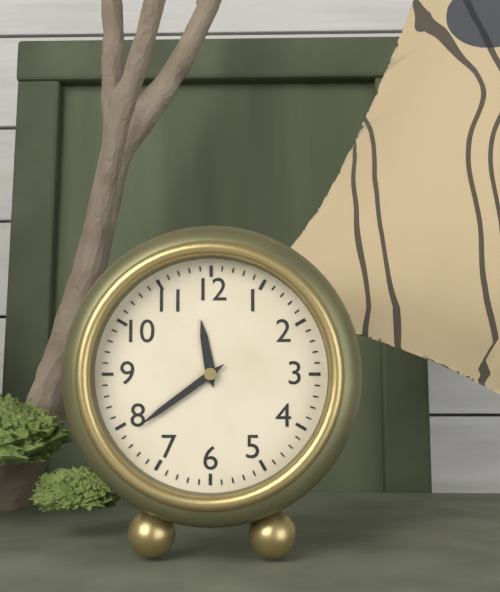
11h39
